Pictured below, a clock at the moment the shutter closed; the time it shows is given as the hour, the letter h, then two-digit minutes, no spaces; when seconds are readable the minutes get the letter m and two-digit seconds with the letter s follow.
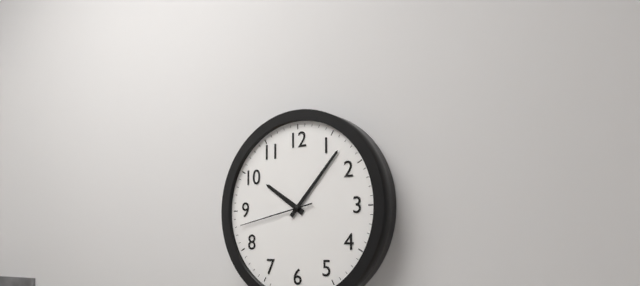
10h07m43s
